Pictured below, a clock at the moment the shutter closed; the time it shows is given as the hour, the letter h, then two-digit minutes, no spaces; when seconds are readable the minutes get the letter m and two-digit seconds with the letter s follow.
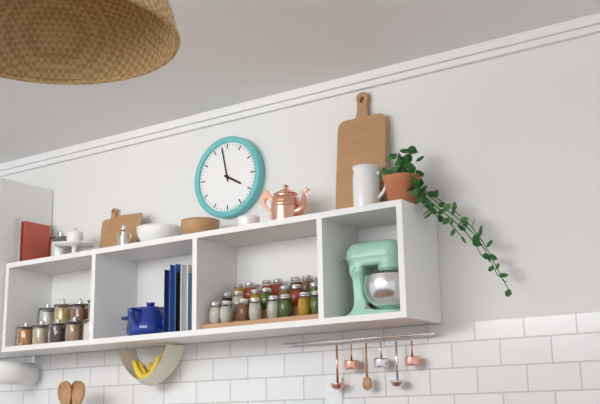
3h58
